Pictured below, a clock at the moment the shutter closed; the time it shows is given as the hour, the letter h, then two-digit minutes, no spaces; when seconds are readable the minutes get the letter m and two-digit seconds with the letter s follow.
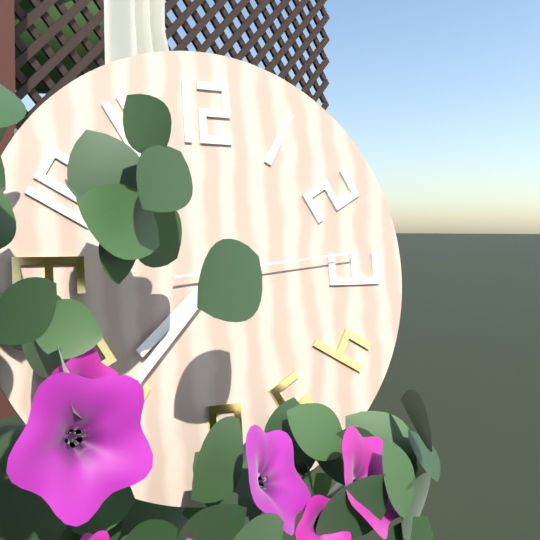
7h37m14s
